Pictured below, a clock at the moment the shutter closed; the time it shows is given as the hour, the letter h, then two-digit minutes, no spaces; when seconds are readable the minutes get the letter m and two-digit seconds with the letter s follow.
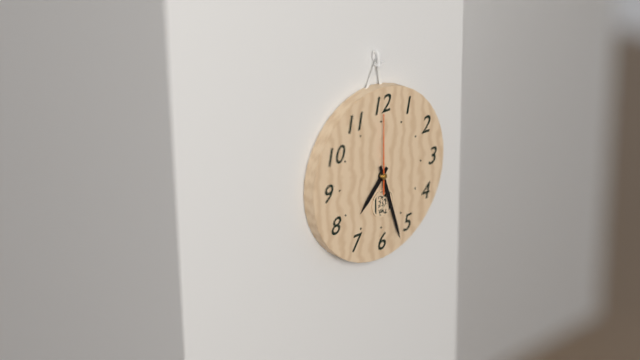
7h27m00s
